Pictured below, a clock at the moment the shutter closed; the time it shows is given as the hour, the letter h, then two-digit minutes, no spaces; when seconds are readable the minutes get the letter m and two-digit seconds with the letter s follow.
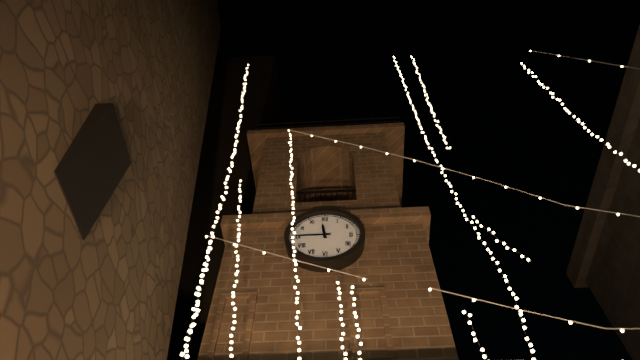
11h45
